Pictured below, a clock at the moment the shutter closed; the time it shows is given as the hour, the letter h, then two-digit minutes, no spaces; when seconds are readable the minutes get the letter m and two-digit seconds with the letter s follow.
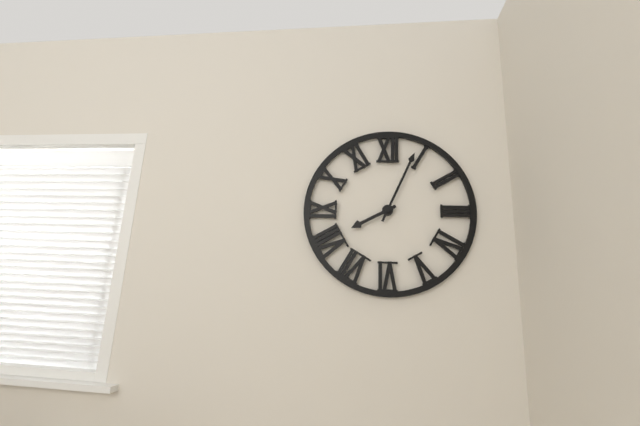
8h04
